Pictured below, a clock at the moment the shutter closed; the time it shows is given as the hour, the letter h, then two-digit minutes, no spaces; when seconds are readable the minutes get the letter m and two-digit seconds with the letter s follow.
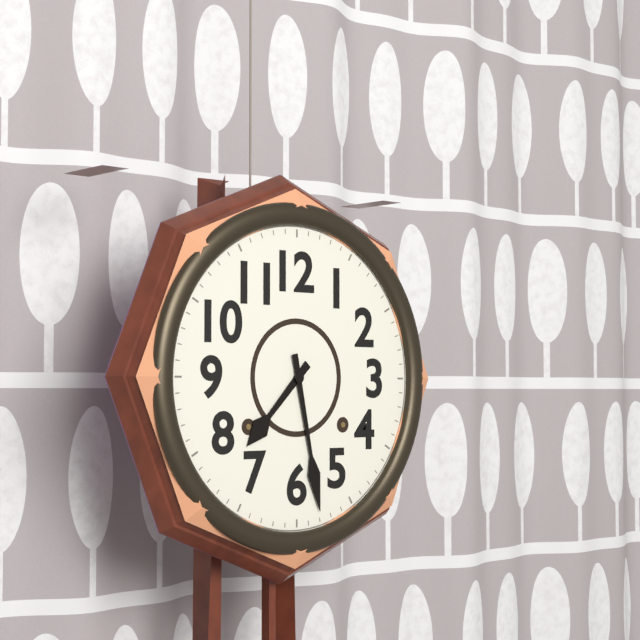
7h28
